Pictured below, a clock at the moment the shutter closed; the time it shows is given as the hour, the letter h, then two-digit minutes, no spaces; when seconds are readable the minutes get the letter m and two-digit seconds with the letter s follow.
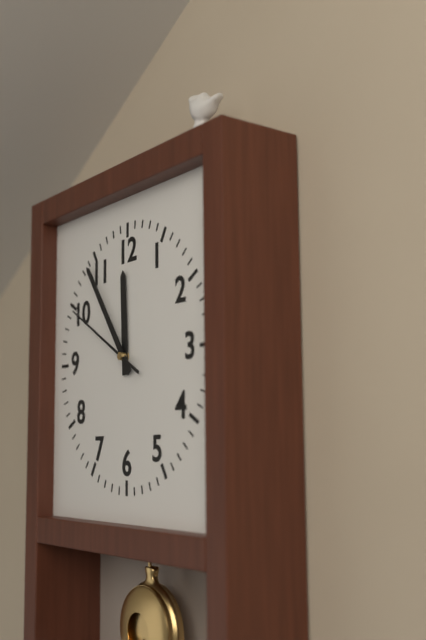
11h54m50s
